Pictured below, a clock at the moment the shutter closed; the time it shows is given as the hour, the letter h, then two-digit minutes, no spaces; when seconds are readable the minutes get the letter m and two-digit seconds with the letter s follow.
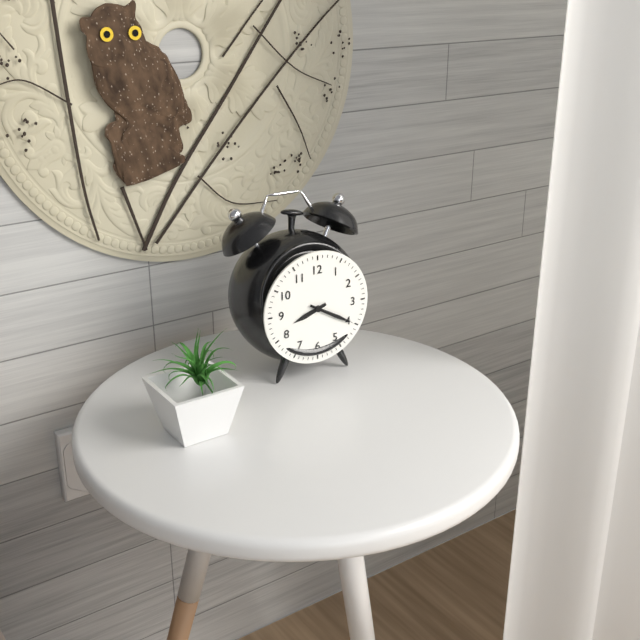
8h20
